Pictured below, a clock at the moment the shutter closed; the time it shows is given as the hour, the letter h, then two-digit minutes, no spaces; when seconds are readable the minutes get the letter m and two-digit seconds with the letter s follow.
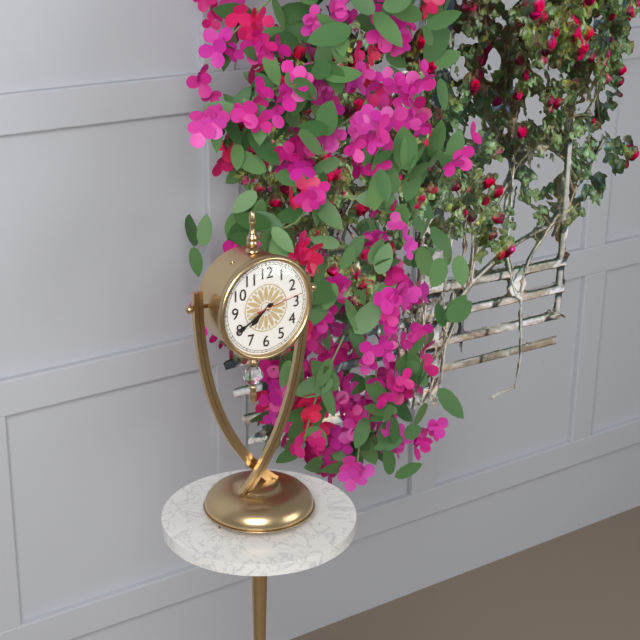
7h40
